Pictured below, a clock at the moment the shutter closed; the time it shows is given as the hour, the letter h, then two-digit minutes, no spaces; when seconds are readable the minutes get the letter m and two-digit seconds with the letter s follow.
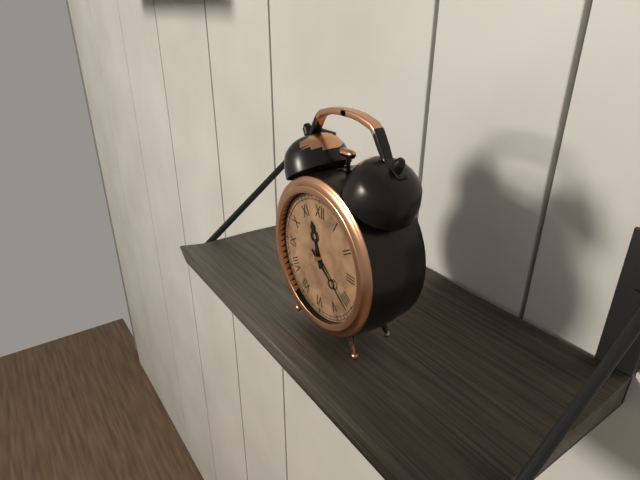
11h21
